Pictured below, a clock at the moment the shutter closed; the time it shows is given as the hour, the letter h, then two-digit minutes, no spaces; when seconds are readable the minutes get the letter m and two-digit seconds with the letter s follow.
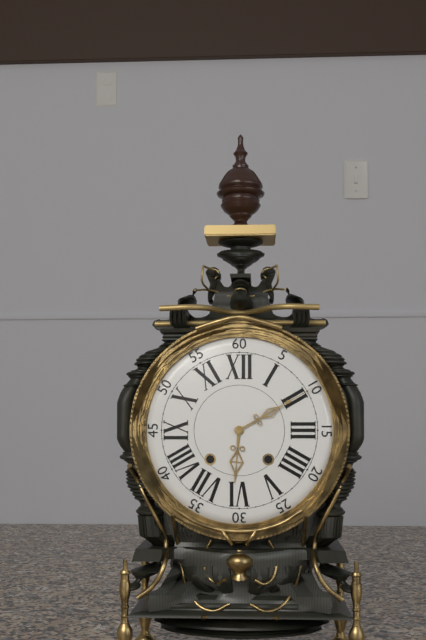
6h10
